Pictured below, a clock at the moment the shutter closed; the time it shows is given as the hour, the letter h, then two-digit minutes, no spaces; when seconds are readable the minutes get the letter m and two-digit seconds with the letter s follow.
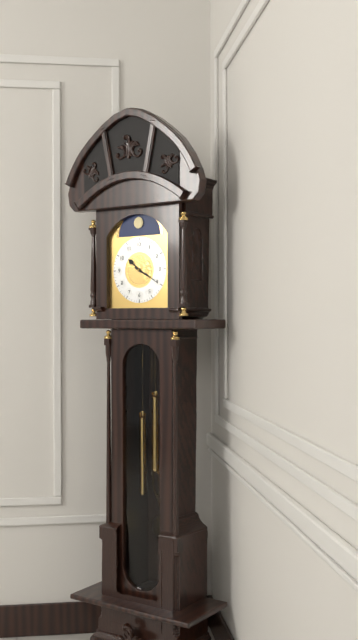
10h20
